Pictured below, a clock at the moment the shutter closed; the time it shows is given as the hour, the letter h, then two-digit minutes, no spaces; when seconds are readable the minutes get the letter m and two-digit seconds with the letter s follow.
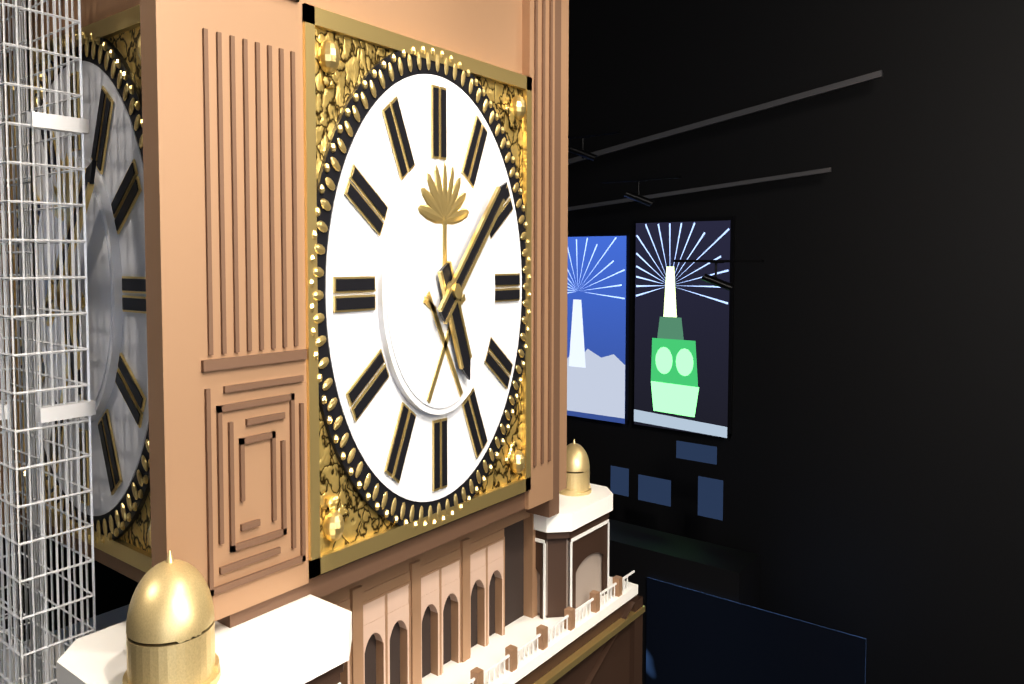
5h08
